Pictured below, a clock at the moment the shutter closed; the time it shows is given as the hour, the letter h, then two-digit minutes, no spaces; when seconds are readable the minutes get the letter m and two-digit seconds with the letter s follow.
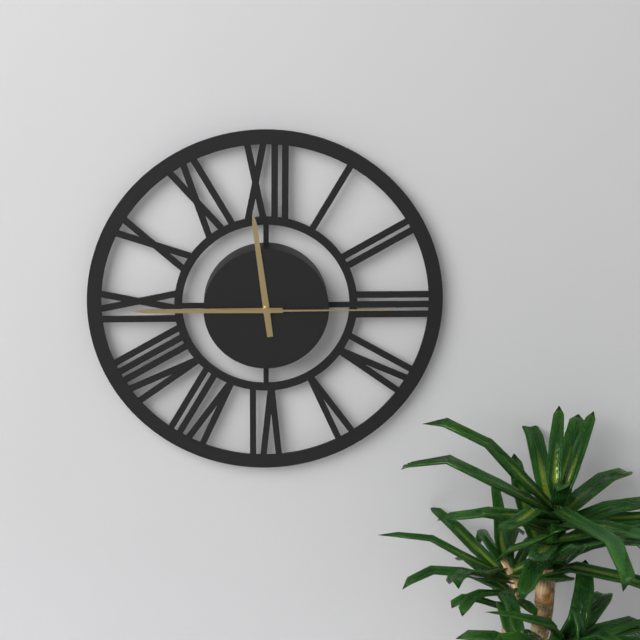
11h45m15s
